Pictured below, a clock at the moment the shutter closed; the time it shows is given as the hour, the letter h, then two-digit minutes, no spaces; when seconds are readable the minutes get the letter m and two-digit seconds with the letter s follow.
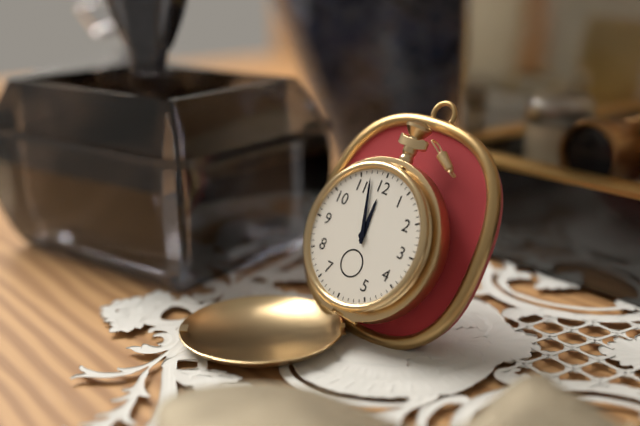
11h57
